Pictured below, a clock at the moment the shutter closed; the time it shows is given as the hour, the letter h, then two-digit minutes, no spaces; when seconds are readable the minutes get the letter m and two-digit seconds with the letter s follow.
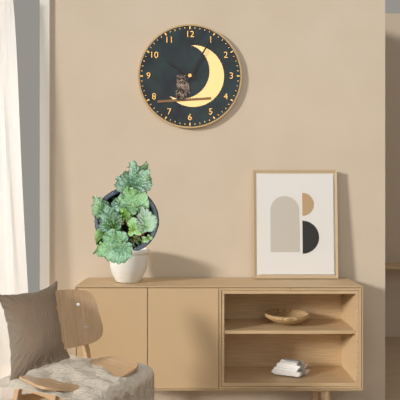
10h05
